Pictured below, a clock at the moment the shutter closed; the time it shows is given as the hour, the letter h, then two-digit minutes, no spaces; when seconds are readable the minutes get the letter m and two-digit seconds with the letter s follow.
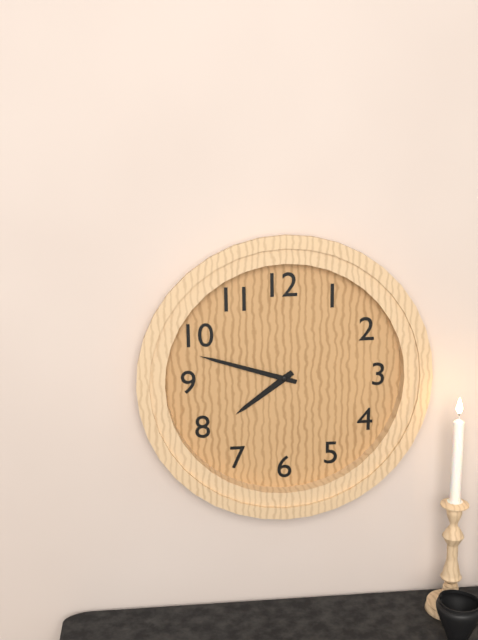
7h48
